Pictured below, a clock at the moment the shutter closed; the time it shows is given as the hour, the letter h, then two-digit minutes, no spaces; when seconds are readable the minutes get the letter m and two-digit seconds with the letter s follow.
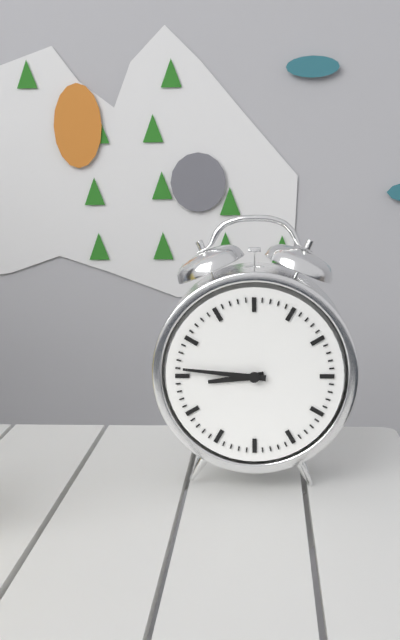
8h46
